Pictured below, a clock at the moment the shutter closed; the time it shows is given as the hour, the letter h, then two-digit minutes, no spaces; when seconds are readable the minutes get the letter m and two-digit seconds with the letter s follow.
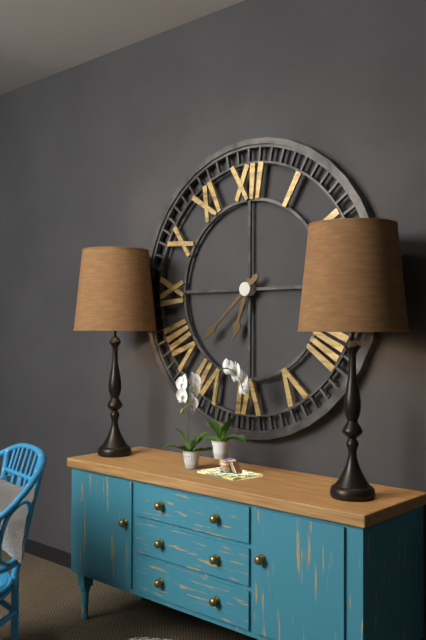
6h38
